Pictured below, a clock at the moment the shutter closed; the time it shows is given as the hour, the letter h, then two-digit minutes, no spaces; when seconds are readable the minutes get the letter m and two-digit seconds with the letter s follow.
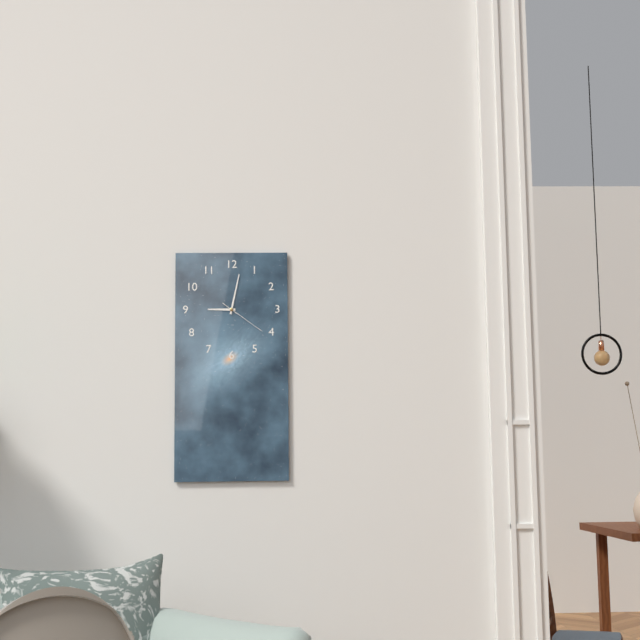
9h02
